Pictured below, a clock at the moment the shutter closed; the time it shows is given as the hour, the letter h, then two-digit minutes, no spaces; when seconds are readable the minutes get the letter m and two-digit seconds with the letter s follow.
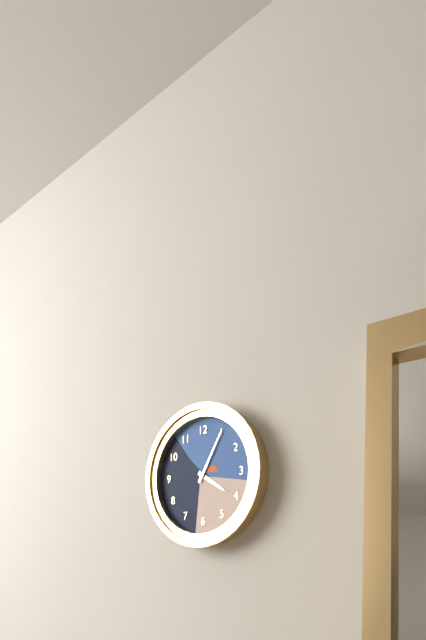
4h05
